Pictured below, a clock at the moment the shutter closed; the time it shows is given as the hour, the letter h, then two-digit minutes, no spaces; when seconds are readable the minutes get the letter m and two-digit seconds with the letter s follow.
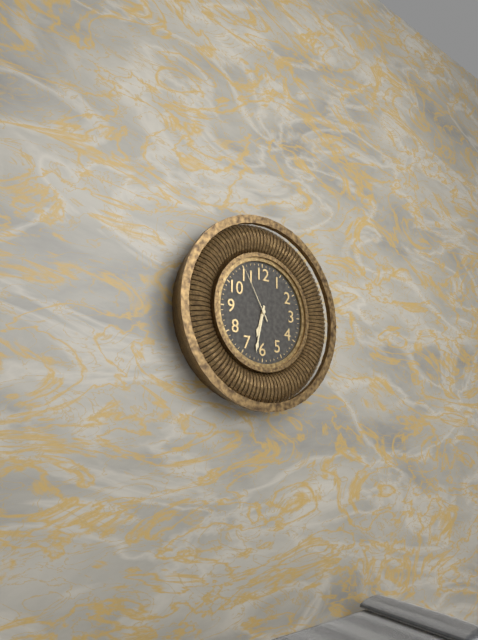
6h32m55s
